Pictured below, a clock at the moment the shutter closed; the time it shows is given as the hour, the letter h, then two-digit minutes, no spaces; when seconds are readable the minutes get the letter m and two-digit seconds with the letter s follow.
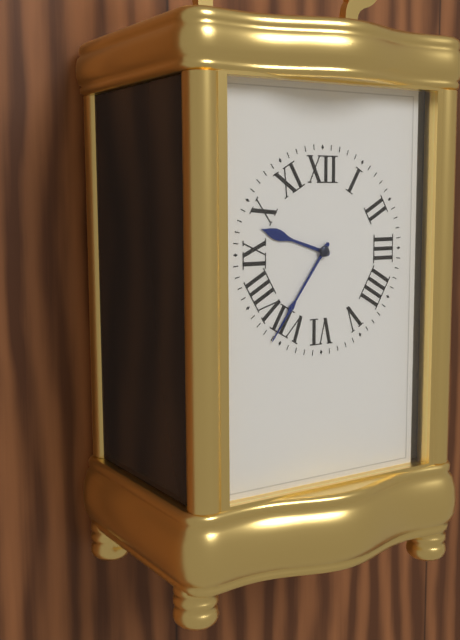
9h36
